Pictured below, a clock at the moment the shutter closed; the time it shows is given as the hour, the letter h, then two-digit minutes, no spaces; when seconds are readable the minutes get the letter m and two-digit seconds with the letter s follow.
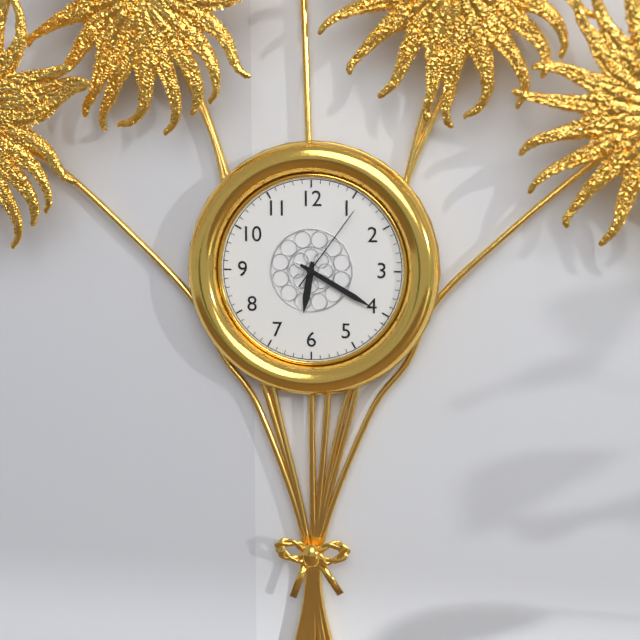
6h20m06s
